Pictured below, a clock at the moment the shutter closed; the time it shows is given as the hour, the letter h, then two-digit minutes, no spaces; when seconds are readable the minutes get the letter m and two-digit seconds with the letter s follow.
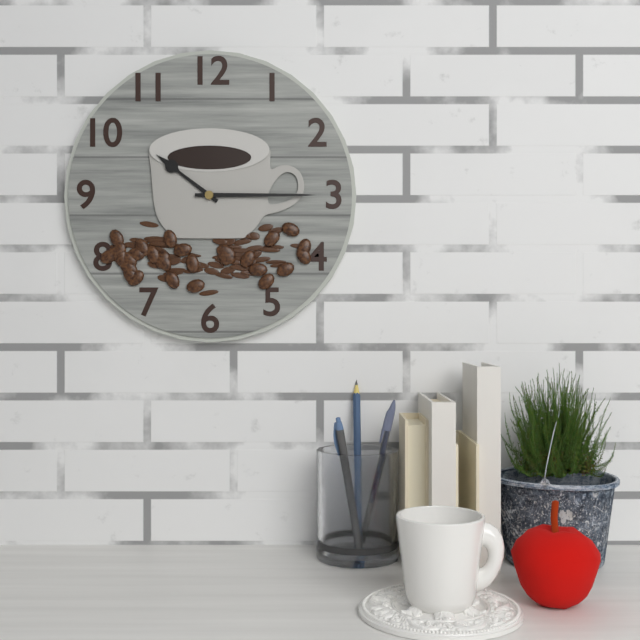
10h15
